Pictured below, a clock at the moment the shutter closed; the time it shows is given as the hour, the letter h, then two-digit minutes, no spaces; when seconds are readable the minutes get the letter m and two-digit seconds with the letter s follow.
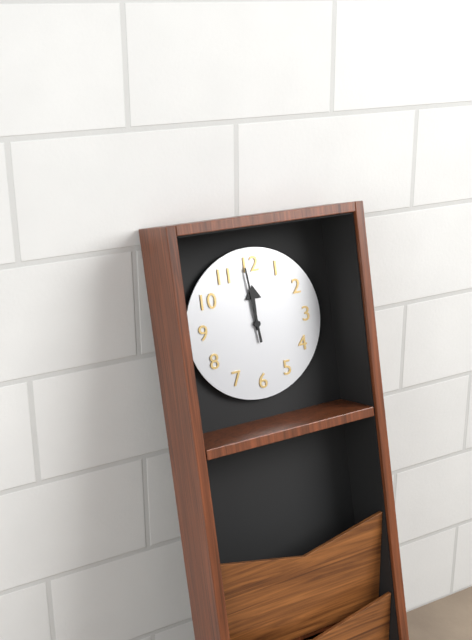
11h59
